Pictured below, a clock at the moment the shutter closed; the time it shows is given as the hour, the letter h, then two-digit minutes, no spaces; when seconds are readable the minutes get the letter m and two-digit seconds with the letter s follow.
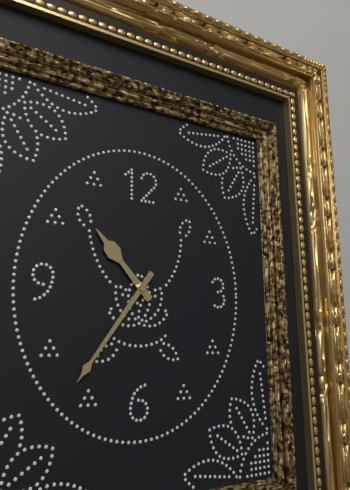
10h36
